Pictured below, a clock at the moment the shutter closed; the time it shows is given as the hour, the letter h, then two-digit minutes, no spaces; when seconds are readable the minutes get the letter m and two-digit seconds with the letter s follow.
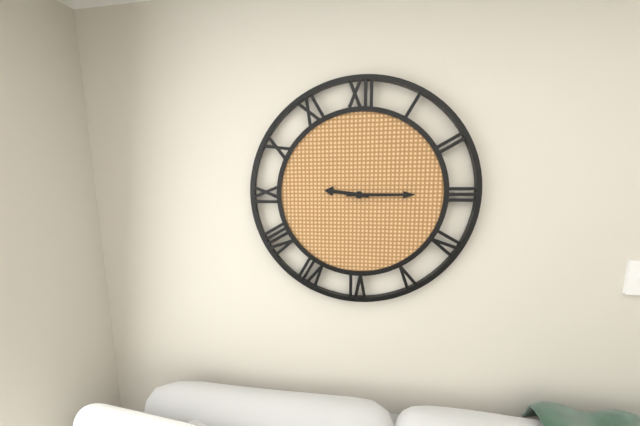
9h15
